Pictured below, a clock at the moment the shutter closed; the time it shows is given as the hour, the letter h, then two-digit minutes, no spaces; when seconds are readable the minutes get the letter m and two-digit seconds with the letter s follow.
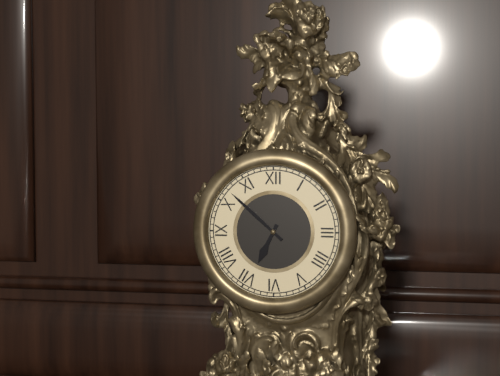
6h52
